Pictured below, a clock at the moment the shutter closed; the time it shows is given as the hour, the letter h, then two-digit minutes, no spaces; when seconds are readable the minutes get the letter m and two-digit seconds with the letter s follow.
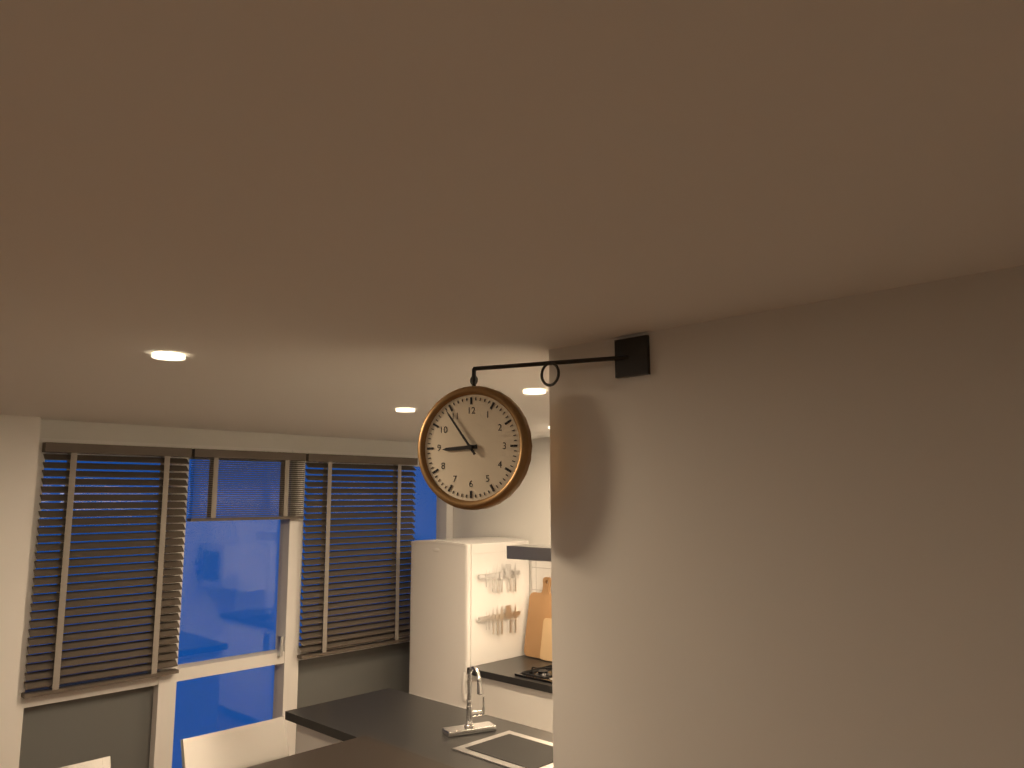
8h54
